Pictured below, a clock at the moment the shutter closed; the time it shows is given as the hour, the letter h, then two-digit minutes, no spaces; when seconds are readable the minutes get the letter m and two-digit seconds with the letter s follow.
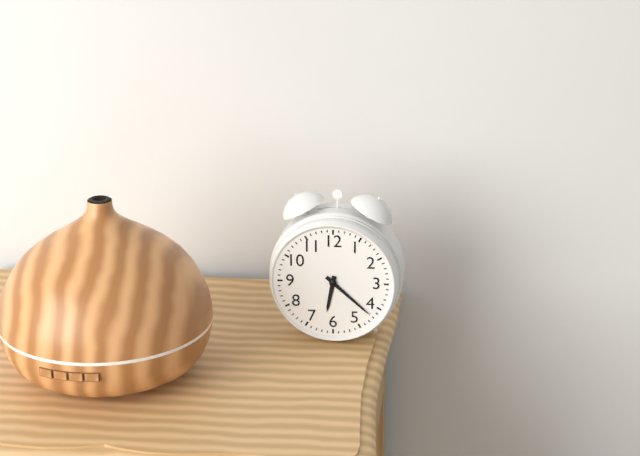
6h22
